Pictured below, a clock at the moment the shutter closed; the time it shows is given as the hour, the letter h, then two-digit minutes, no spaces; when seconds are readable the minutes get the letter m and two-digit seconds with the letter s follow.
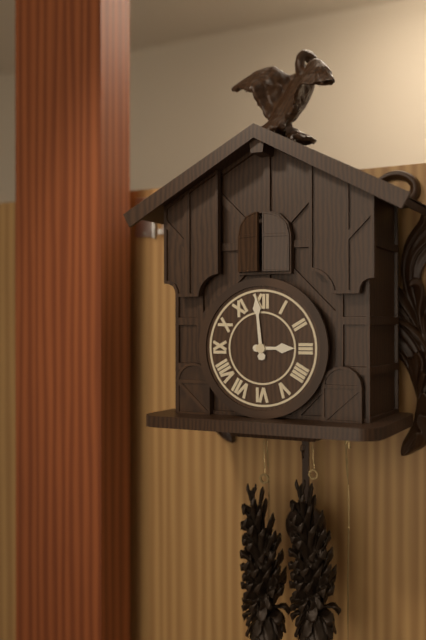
2h59
